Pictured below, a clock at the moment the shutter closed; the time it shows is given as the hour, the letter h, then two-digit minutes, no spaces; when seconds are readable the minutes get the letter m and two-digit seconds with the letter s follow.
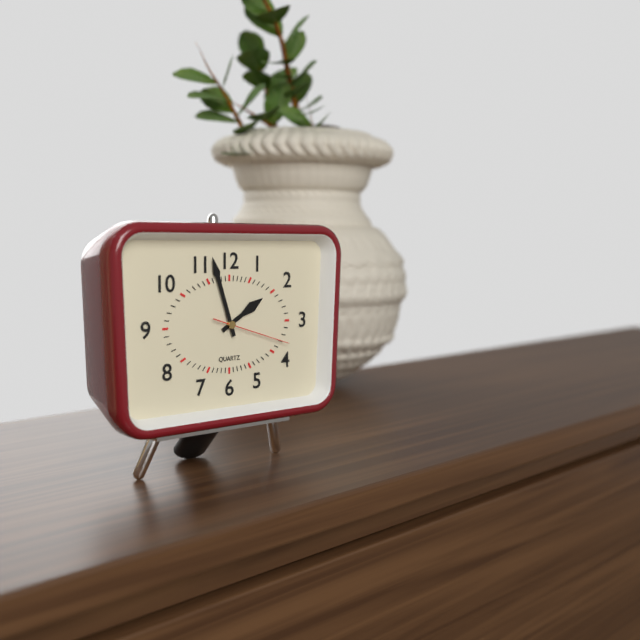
1h57m18s
